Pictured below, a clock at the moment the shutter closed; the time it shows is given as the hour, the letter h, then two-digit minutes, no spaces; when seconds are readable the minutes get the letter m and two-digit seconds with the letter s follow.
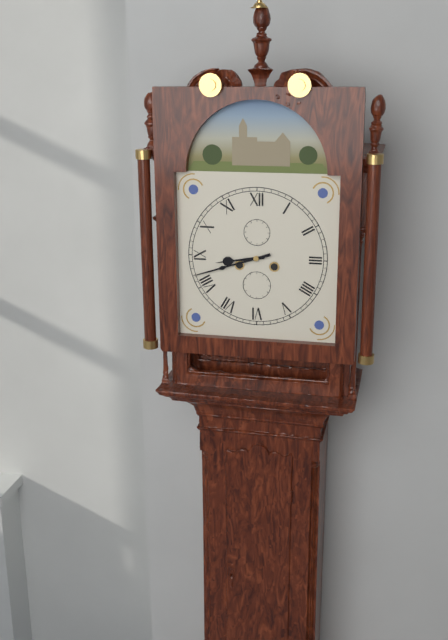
8h42
